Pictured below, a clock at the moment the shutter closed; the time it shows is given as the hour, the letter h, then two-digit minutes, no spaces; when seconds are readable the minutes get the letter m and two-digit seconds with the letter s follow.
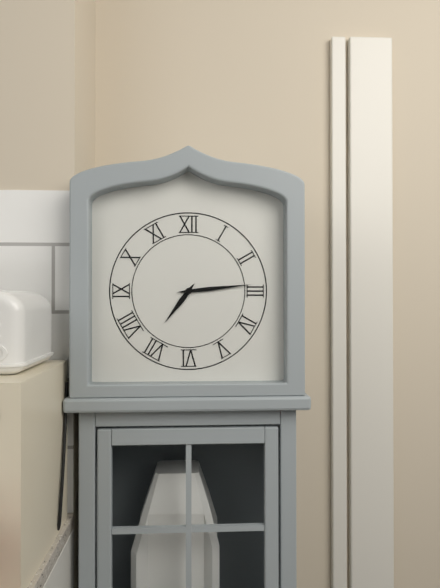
7h14
